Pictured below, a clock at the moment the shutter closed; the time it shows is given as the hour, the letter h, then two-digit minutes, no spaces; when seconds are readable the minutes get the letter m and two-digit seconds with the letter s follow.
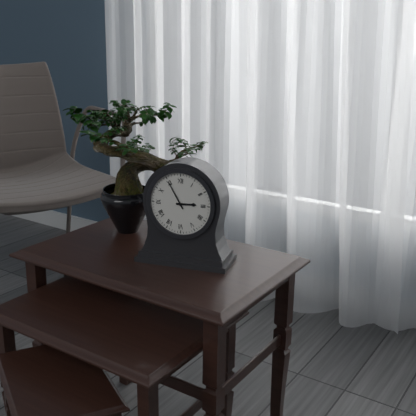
2h55
